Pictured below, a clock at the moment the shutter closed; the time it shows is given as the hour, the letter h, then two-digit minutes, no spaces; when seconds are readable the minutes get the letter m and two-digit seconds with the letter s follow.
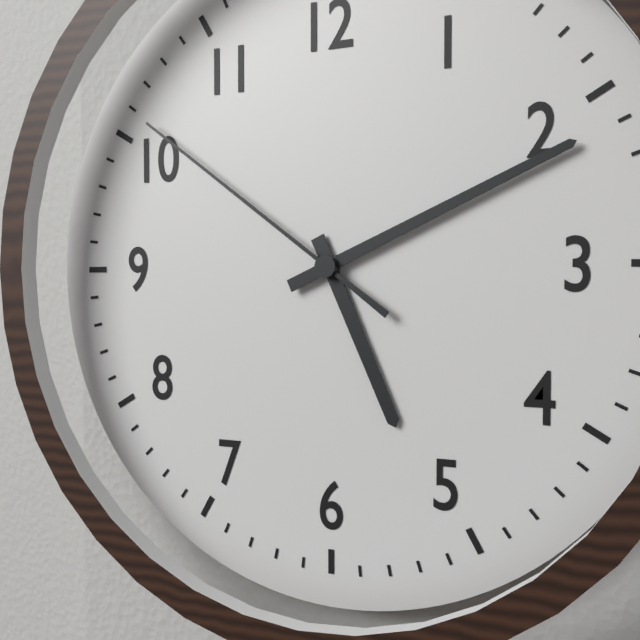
5h11m51s
